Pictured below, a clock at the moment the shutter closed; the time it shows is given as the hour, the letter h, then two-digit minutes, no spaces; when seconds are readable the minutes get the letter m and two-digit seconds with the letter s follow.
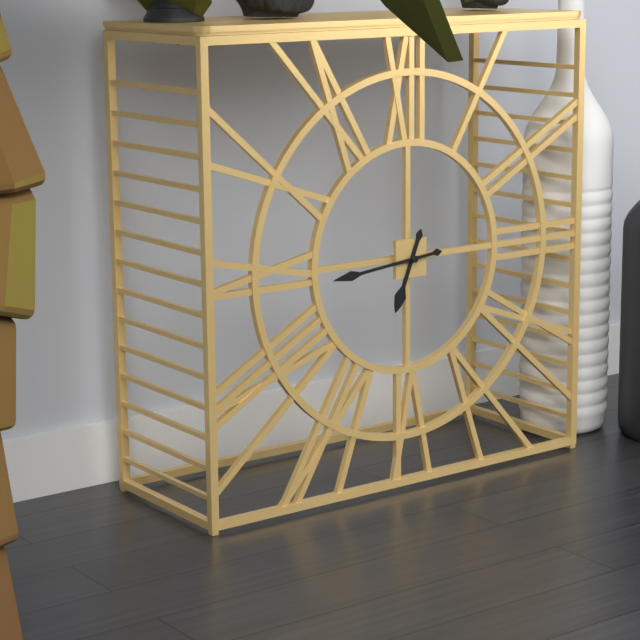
6h44
